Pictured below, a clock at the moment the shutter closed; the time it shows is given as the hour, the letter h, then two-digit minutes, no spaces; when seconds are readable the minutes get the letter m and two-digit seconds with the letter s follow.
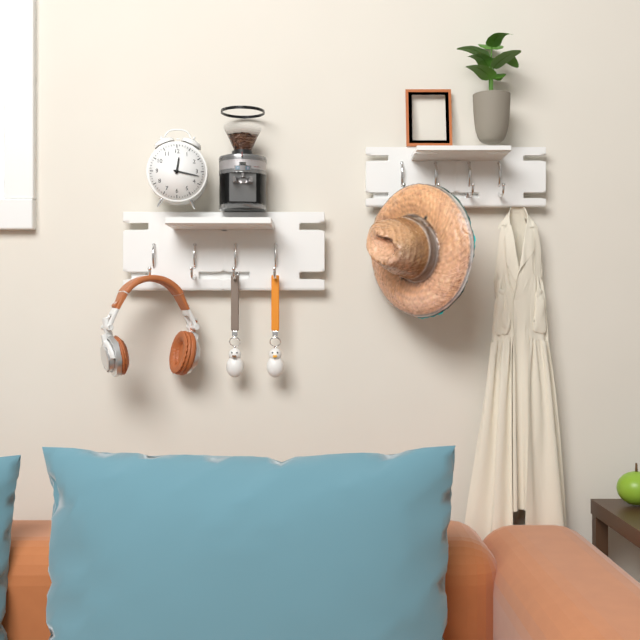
12h17
